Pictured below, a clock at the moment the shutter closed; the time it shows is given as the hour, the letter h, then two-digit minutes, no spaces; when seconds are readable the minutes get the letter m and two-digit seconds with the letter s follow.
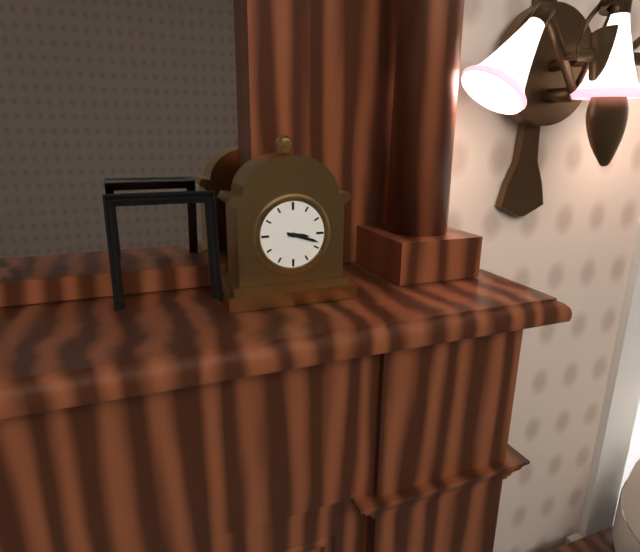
3h18
